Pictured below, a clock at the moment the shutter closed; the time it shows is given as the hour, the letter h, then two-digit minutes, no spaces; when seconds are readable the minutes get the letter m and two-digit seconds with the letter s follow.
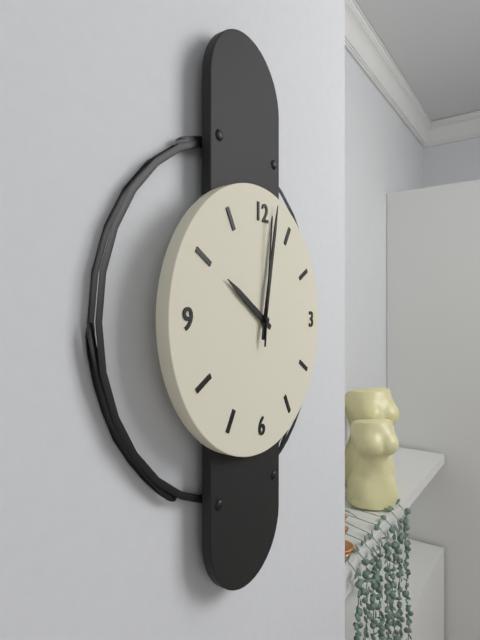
10h02m01s
